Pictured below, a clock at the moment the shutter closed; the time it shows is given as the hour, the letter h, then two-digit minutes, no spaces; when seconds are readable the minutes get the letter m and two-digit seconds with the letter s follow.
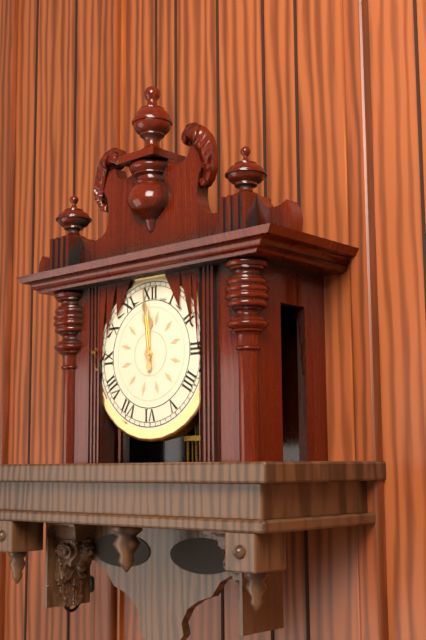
11h59
